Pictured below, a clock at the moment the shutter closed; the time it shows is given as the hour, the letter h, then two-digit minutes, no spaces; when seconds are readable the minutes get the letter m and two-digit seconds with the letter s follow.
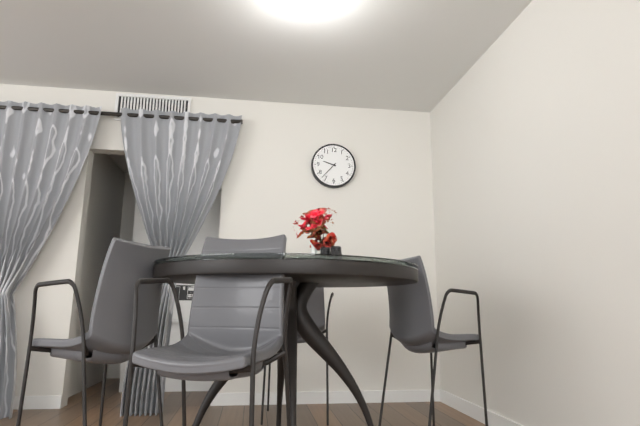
9h37
